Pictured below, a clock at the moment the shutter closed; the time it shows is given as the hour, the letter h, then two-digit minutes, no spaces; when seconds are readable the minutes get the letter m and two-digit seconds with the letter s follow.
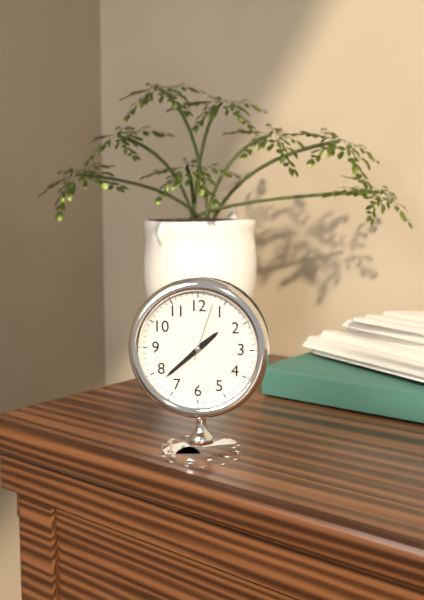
1h38m03s
